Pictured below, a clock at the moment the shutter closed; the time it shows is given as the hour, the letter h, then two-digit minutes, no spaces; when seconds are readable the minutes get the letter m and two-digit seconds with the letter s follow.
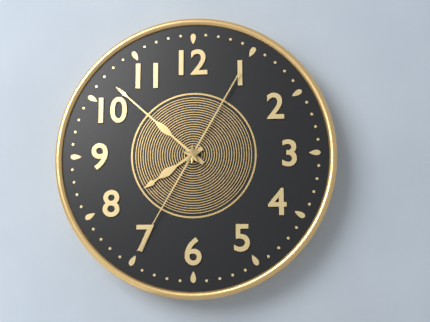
7h52m35s
